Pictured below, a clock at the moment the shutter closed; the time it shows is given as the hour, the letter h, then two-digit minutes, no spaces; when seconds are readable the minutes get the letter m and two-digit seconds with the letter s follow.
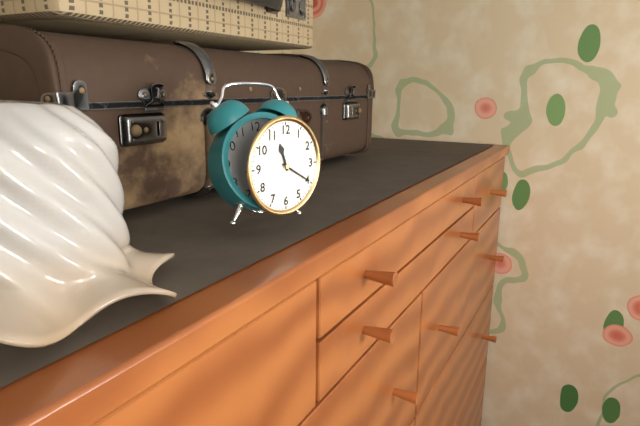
11h20
